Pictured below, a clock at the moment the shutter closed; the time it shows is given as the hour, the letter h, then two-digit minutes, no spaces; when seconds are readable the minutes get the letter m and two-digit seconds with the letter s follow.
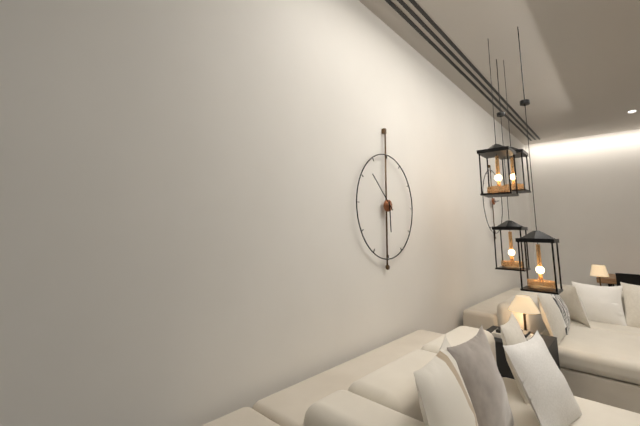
5h52
